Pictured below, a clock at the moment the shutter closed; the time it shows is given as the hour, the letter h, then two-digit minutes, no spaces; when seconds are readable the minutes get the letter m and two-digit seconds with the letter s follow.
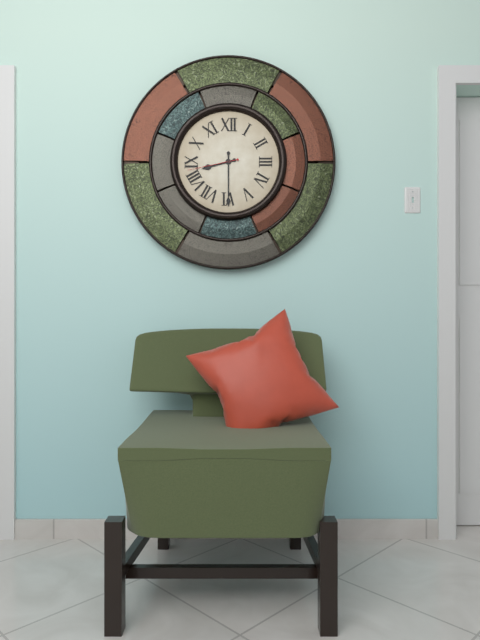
8h30m43s
